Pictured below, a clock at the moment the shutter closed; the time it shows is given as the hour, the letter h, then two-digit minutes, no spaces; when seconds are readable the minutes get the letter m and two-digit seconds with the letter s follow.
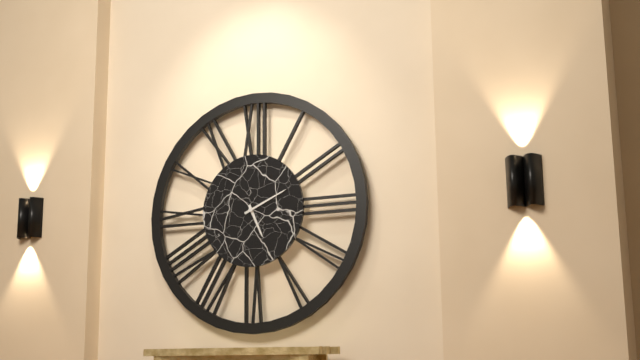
5h11
